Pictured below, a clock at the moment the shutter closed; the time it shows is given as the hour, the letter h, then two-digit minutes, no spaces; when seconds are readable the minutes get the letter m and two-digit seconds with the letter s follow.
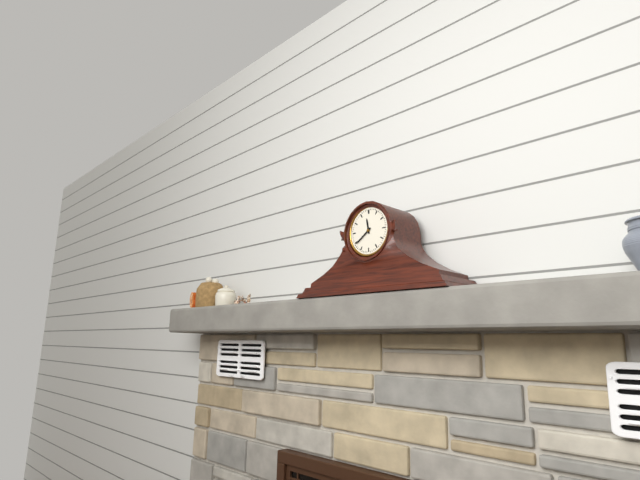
11h39
